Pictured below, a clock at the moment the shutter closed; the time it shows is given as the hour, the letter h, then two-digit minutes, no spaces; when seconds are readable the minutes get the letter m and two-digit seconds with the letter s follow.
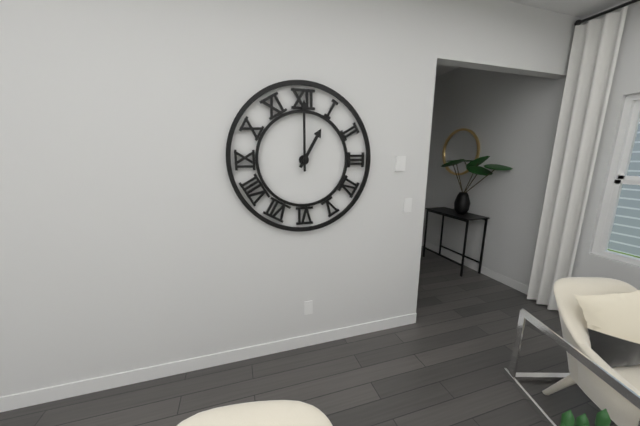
1h00
